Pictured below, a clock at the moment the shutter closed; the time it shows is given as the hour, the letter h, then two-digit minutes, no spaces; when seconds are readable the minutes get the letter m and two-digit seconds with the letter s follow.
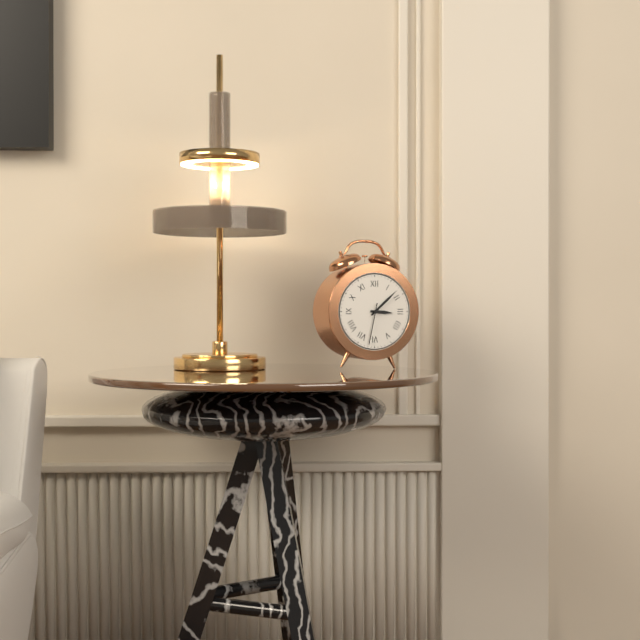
3h08
